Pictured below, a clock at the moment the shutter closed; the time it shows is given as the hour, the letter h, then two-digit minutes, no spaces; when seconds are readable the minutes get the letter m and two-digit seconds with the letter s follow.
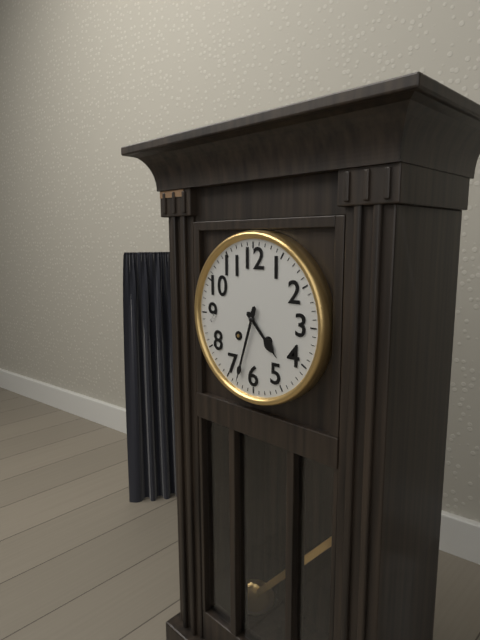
4h33
